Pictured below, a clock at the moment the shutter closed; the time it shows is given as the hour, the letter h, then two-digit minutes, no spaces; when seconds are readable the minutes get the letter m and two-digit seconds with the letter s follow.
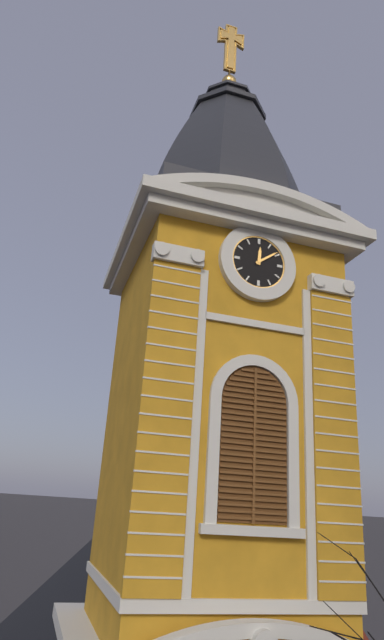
12h09
